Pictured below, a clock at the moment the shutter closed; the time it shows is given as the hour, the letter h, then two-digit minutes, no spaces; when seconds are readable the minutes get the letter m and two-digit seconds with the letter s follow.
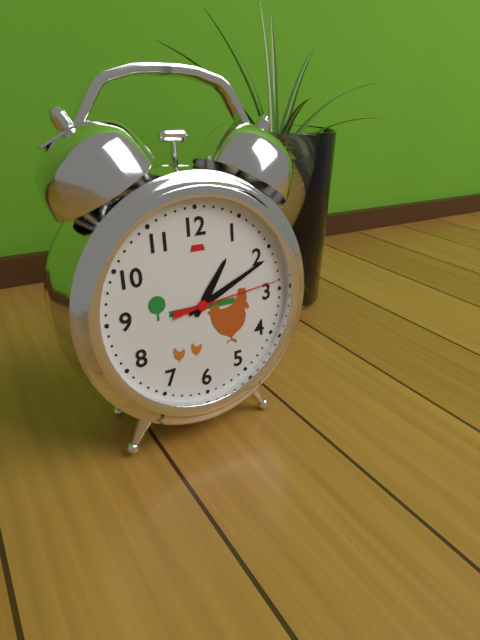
1h11m14s
